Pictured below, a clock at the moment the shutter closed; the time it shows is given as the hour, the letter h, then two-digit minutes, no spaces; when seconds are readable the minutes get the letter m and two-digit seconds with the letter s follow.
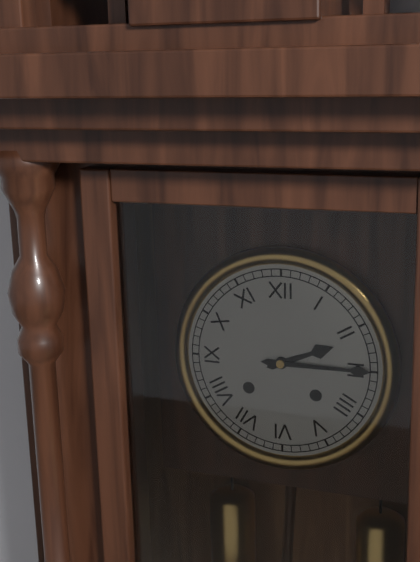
2h15
